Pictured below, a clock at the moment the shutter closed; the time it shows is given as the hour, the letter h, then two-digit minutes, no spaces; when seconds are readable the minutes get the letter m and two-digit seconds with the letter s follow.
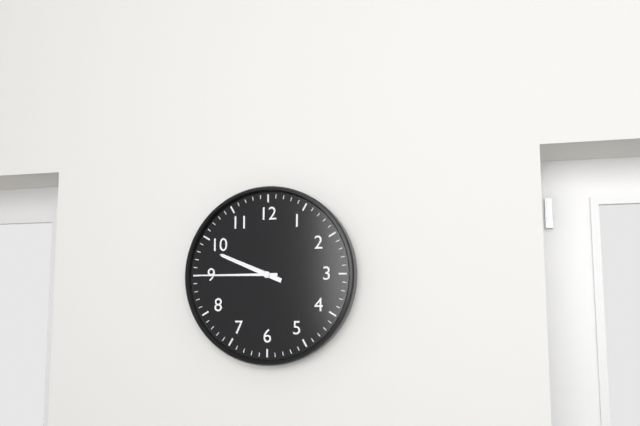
9h45
